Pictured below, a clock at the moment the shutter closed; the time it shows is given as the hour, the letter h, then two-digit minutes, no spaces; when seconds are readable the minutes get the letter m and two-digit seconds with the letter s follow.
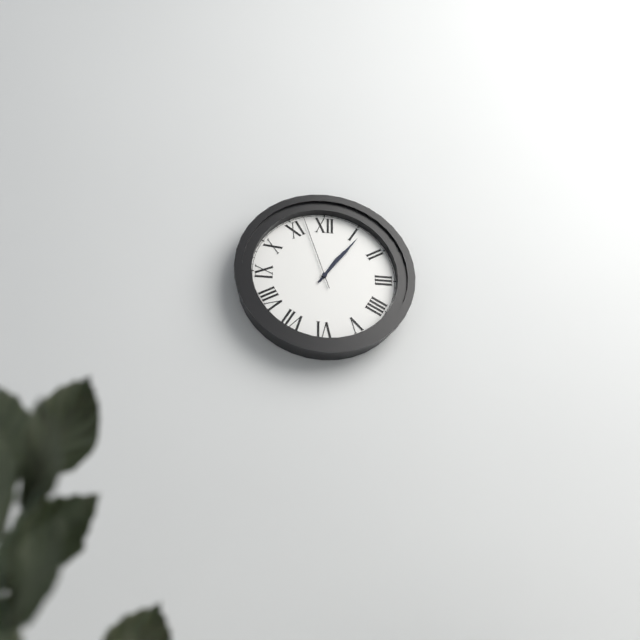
1h06m57s
